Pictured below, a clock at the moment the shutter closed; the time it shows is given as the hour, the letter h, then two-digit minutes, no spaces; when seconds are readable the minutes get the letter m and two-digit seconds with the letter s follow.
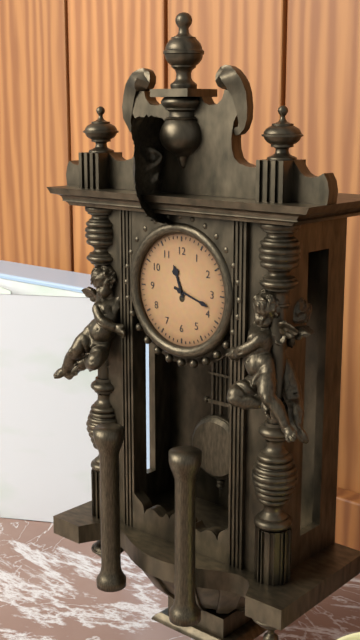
11h18
